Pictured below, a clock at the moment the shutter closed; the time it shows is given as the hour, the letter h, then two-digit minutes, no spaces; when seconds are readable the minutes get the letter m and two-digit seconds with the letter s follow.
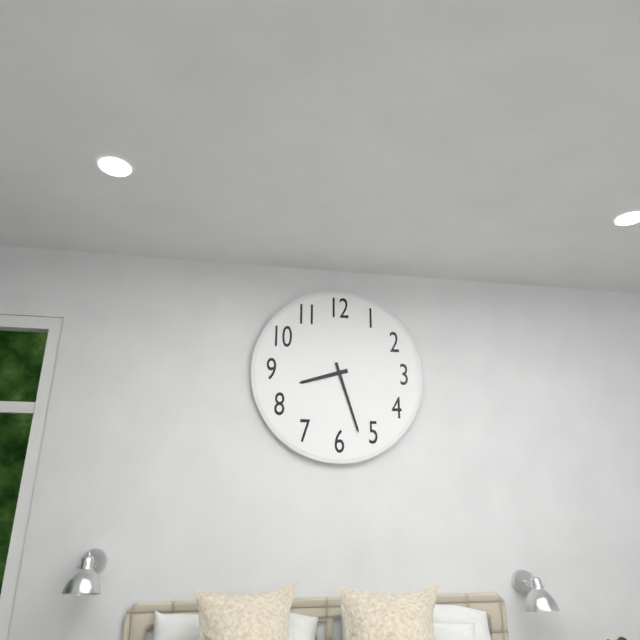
8h27
